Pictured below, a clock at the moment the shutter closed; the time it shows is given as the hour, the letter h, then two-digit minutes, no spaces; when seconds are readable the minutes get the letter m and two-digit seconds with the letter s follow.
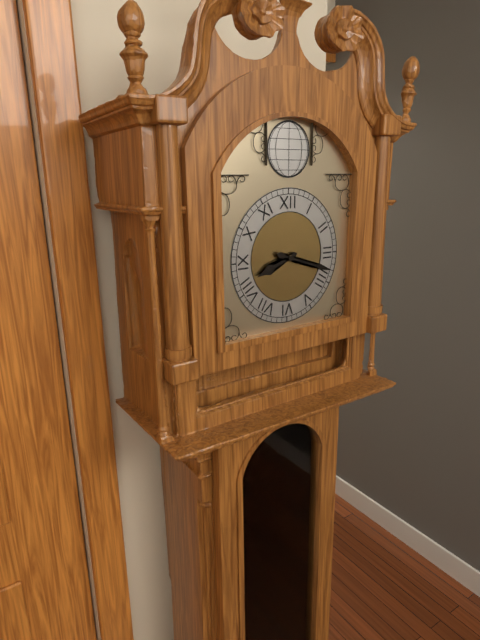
8h18
